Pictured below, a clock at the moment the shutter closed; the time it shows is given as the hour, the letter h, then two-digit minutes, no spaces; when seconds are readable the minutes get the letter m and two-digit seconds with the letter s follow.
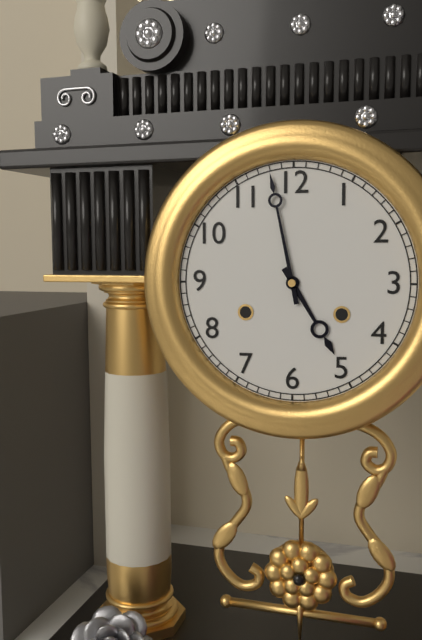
4h58
